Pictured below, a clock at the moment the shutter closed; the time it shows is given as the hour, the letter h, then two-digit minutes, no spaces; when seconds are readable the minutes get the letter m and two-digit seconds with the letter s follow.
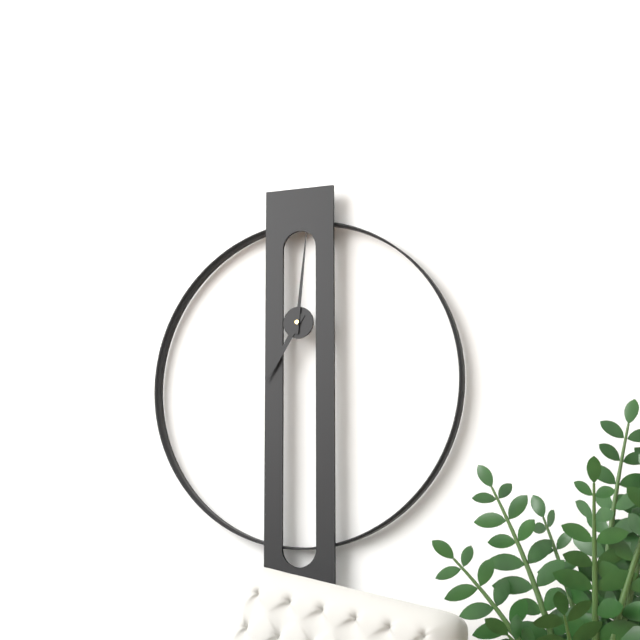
7h01
